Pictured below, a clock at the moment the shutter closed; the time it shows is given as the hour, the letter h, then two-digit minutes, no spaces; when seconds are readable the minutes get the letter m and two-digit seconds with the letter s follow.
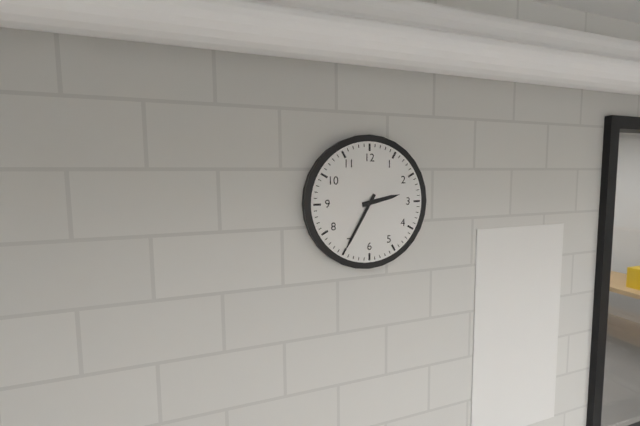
2h35
